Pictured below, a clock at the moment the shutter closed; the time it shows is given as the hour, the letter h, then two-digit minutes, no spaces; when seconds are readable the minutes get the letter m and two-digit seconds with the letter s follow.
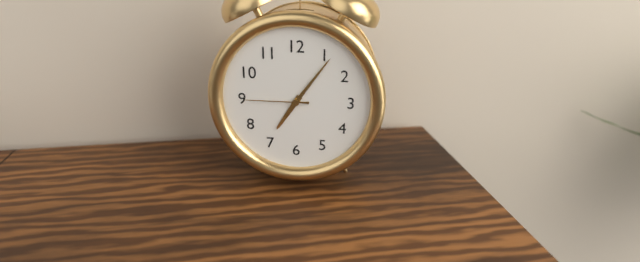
7h06m45s
